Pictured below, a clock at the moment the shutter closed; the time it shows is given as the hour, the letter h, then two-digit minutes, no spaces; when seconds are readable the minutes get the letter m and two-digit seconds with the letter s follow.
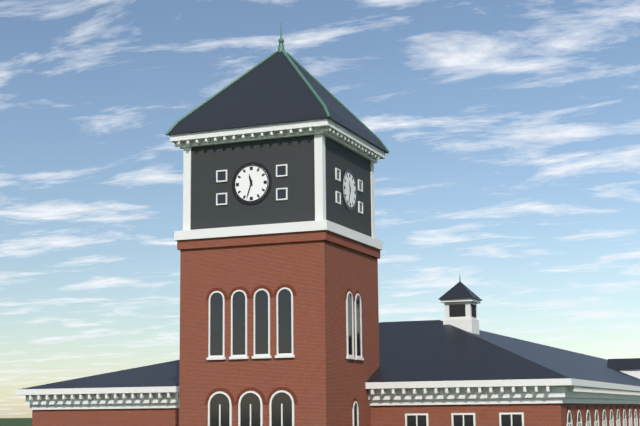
11h33
